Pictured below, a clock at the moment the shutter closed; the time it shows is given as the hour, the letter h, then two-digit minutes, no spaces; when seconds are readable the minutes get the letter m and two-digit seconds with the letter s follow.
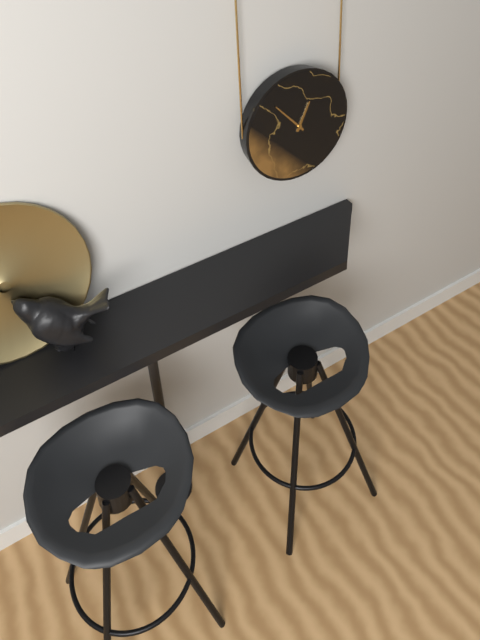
12h53
